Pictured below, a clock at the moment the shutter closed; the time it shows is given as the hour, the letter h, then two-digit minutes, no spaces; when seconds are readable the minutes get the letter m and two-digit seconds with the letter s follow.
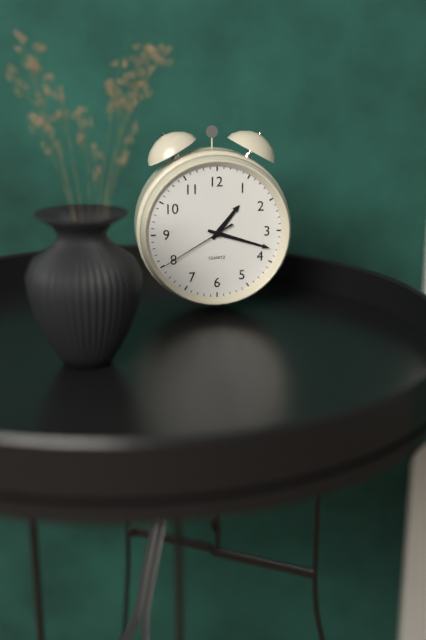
1h18m40s
